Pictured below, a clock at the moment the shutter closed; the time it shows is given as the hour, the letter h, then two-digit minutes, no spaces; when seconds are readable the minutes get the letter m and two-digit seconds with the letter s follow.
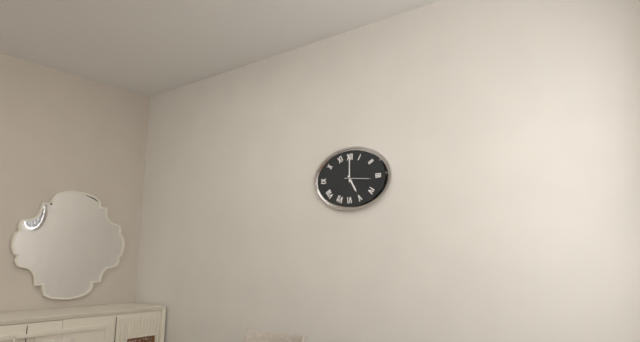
5h00
